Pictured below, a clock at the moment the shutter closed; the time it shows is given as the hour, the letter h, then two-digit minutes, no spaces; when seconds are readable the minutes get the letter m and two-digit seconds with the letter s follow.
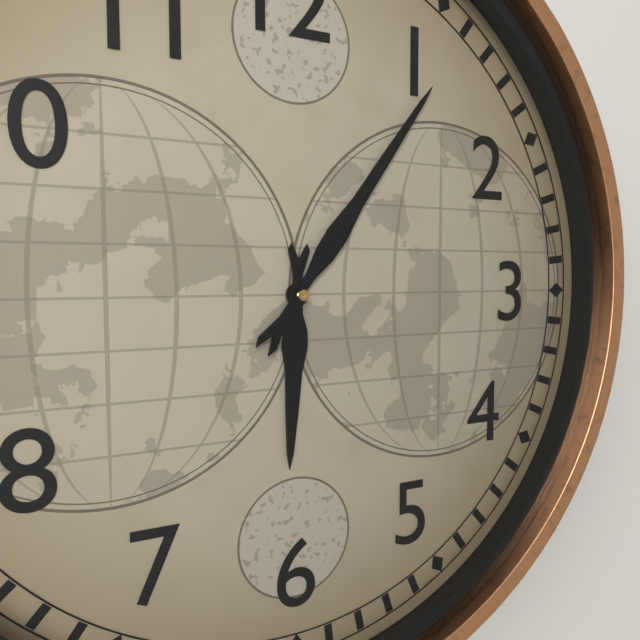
6h06
